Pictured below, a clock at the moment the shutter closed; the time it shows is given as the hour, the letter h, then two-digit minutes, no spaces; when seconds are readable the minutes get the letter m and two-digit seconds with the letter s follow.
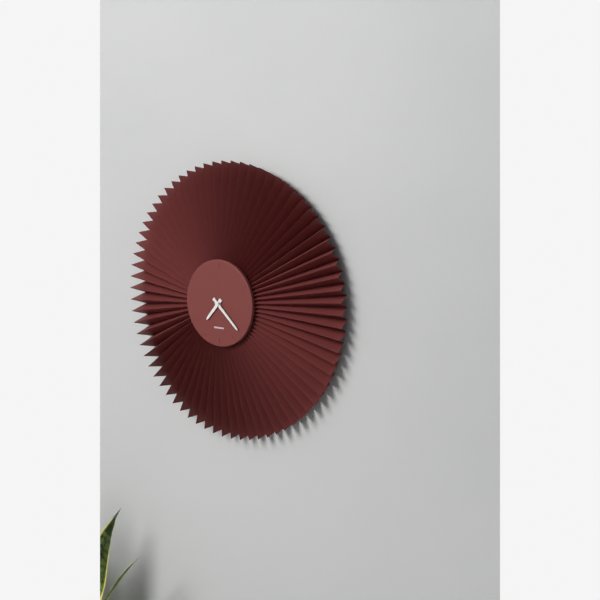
7h22
